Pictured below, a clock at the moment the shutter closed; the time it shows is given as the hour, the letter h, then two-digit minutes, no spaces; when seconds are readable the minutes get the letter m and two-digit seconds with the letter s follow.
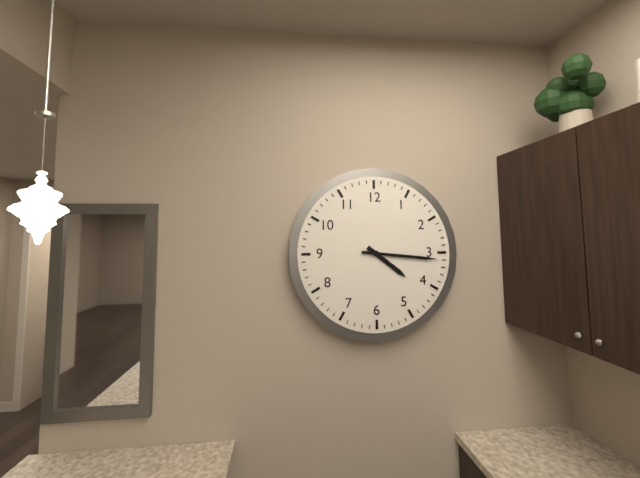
4h16
